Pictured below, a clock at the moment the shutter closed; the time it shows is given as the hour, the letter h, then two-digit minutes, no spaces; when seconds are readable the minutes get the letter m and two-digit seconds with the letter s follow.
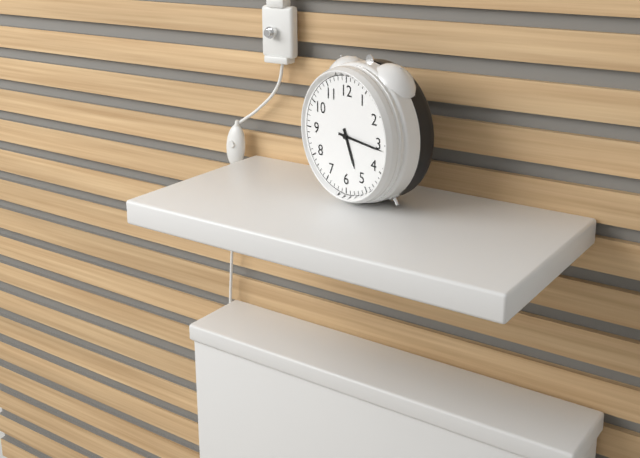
5h16
